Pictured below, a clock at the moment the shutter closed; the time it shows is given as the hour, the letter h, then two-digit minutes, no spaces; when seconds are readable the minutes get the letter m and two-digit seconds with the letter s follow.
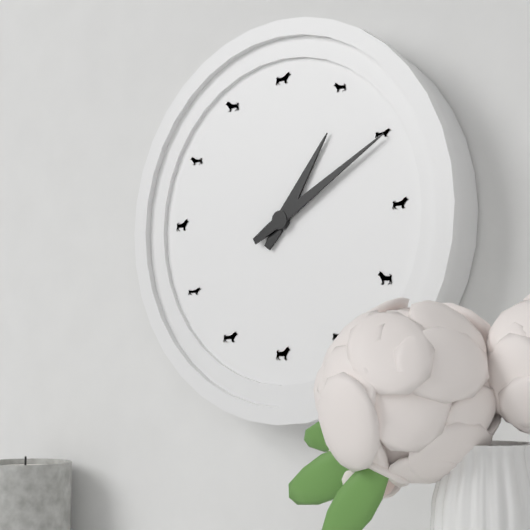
1h10
